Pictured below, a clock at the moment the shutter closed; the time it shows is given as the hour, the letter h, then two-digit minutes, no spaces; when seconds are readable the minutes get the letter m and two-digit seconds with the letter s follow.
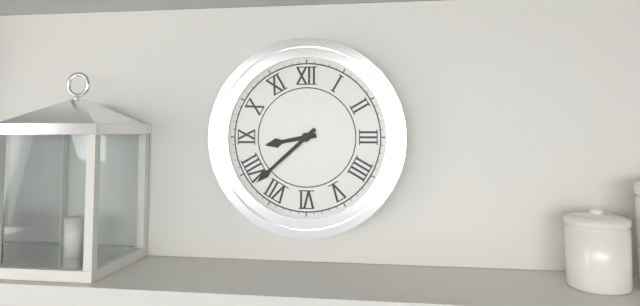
8h38
